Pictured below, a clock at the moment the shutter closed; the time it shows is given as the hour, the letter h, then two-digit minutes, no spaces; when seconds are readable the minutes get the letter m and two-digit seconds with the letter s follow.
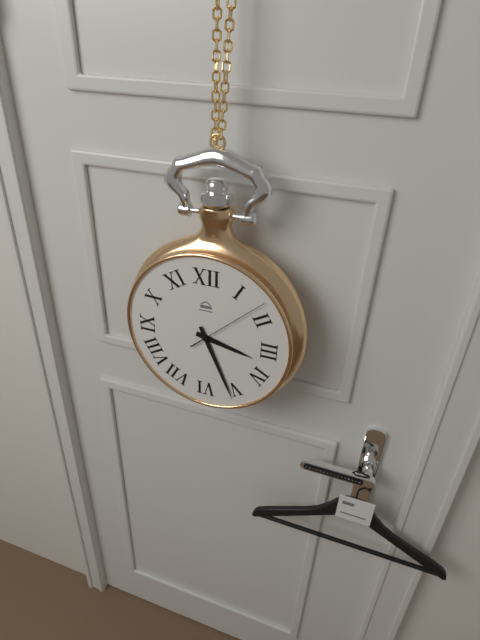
3h26m08s
